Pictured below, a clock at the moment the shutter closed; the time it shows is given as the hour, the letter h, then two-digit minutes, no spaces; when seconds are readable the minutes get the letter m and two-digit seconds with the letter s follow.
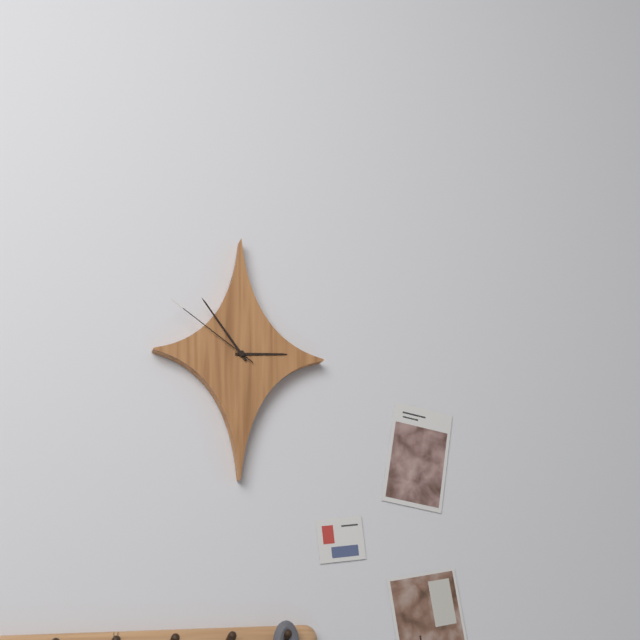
2h54m51s
